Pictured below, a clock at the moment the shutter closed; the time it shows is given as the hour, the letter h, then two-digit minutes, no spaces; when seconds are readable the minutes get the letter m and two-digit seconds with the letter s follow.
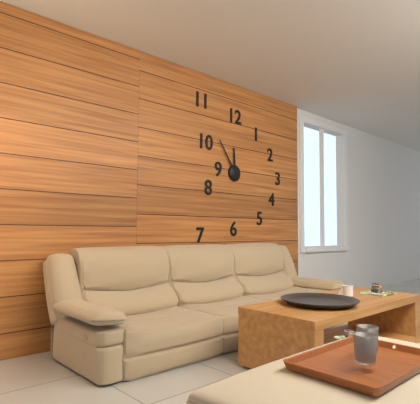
11h54
